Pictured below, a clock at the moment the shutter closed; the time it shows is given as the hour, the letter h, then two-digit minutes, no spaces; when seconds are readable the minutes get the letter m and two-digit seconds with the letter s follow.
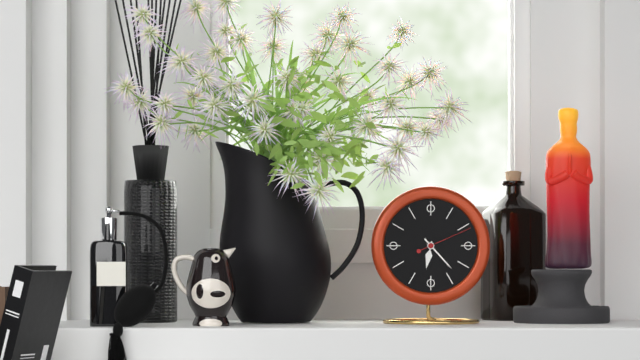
6h23m11s
